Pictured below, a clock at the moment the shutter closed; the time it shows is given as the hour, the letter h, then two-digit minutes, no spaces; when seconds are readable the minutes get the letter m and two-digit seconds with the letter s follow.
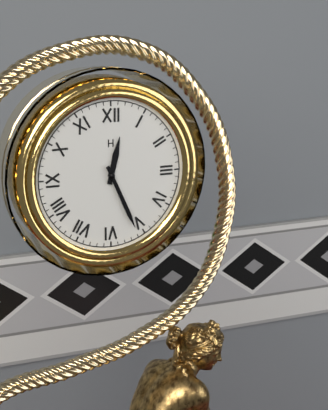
12h26
